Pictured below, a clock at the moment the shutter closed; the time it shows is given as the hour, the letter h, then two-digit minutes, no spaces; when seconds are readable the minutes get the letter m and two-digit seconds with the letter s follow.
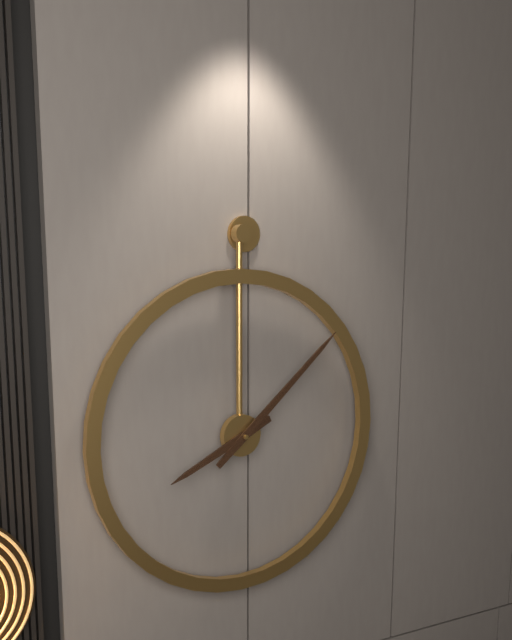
8h08
